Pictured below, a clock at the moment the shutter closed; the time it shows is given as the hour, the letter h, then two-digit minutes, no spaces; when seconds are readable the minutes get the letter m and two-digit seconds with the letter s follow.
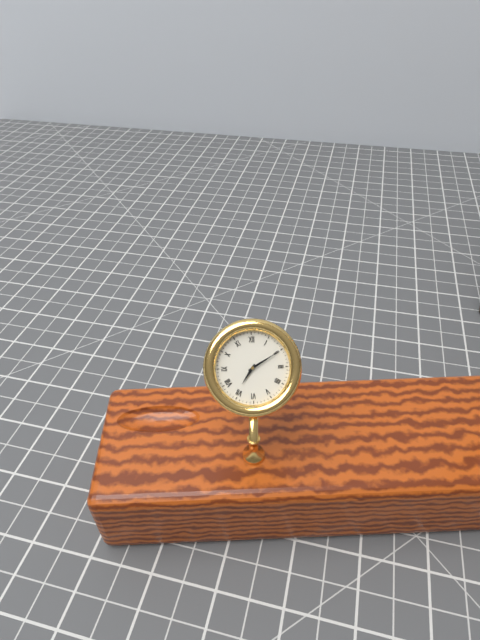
7h10
